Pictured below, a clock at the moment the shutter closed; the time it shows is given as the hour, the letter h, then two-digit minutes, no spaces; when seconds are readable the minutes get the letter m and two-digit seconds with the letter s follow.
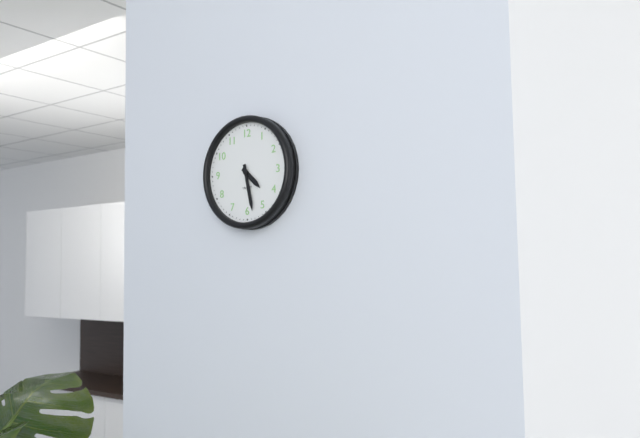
4h28
